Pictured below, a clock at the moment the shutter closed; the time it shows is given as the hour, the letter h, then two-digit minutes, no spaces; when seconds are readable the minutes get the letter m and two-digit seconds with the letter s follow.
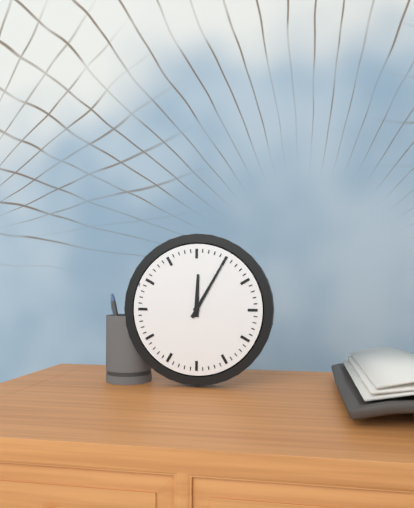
12h05
